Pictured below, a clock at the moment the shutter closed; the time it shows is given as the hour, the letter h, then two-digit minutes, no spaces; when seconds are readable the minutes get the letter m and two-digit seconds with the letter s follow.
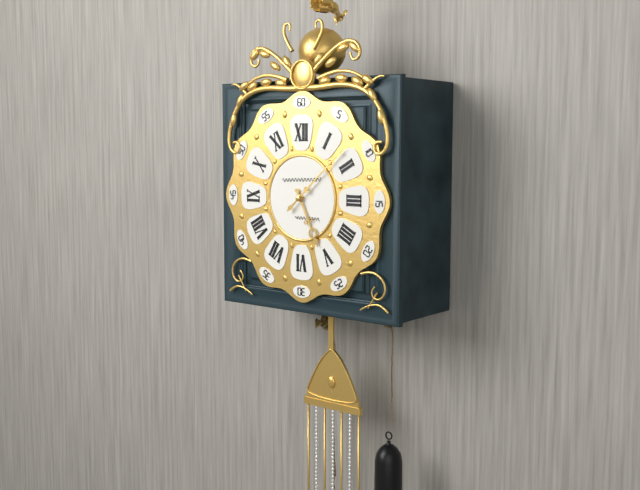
5h08
